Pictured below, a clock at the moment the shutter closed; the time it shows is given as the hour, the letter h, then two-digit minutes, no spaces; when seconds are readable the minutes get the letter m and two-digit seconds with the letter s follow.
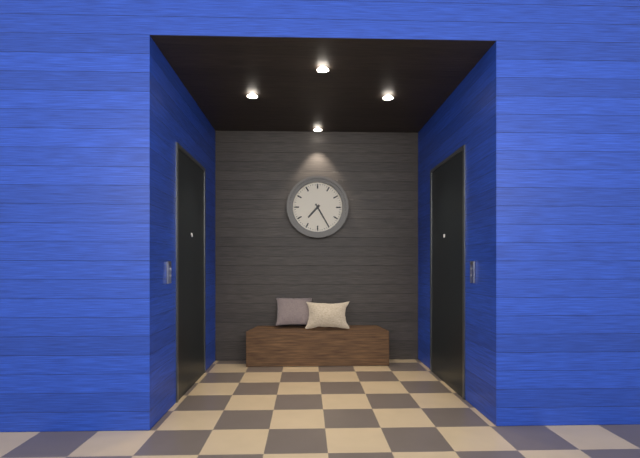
7h25
